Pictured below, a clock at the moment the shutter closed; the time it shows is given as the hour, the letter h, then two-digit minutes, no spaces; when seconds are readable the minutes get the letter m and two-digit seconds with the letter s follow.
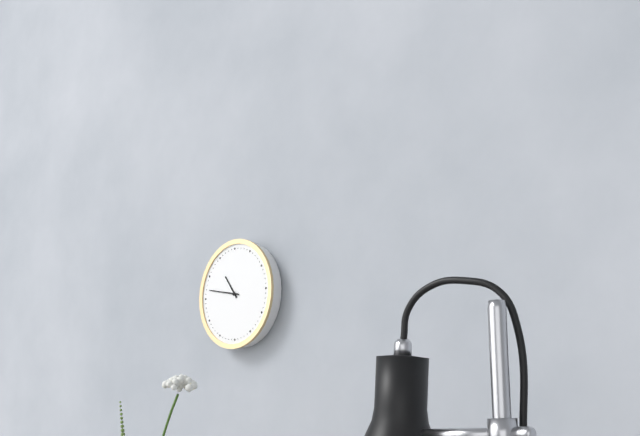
10h47
